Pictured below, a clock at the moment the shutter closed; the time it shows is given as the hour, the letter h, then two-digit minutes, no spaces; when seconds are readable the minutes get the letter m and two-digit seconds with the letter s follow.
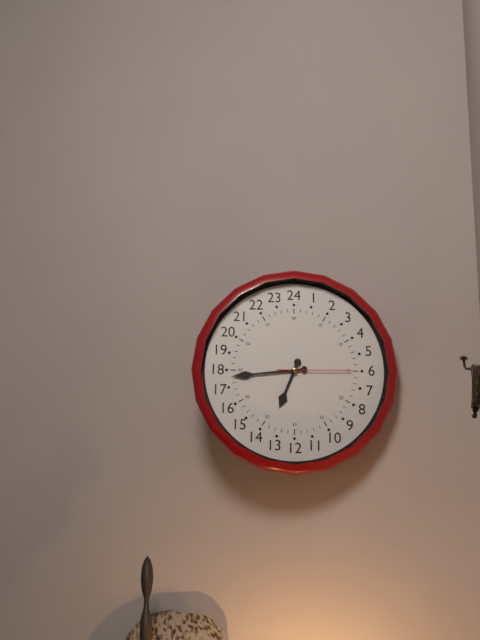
6h44m15s
